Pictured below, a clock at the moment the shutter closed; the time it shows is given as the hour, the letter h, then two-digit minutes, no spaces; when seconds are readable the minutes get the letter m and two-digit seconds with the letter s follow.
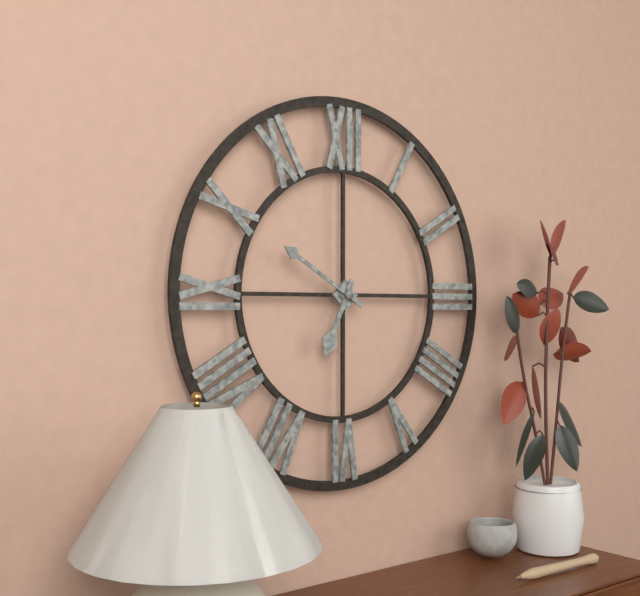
6h50
